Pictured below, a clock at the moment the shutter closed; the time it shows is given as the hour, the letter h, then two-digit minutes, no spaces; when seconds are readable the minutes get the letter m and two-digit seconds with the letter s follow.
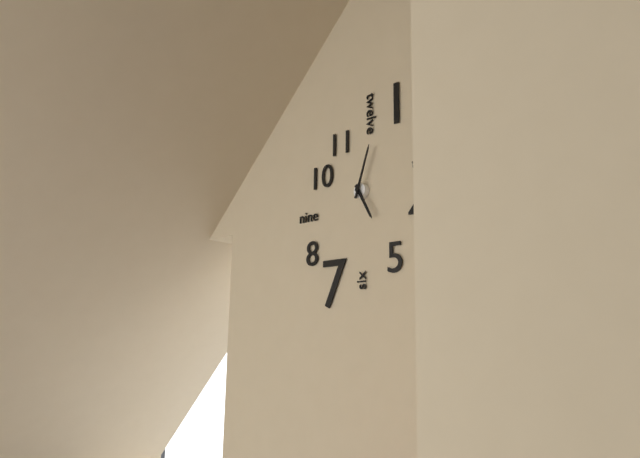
5h03
